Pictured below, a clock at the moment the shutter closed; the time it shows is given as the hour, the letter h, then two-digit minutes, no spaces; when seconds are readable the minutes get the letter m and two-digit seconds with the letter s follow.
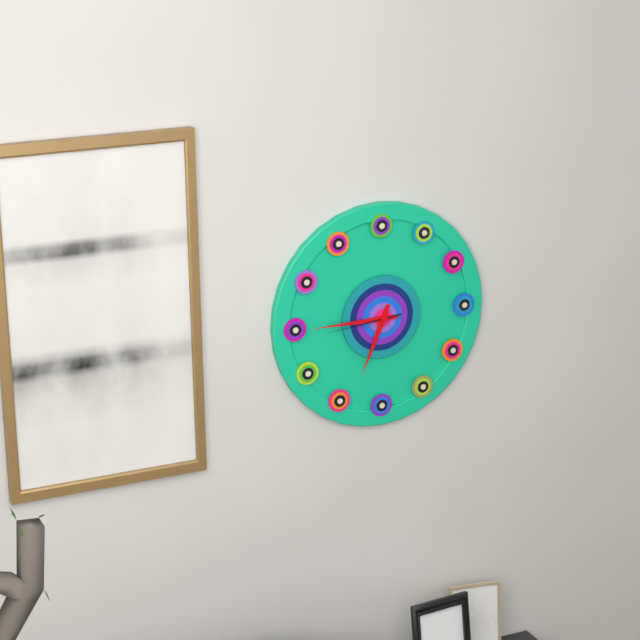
6h45m44s
